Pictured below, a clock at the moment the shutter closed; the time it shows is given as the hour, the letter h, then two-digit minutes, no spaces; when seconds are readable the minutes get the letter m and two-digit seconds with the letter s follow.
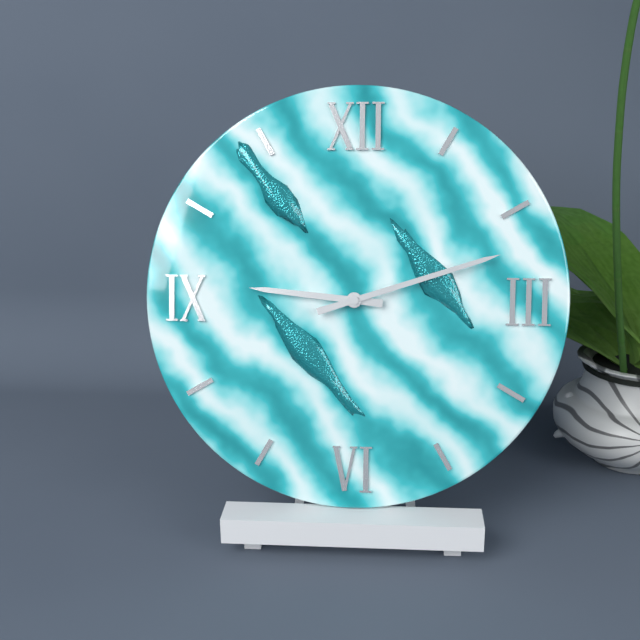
9h12
